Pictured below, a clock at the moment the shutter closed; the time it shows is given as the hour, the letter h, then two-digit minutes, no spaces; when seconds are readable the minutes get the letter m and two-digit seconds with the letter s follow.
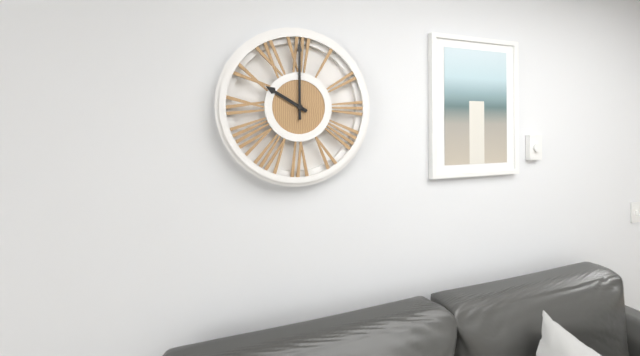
10h00
